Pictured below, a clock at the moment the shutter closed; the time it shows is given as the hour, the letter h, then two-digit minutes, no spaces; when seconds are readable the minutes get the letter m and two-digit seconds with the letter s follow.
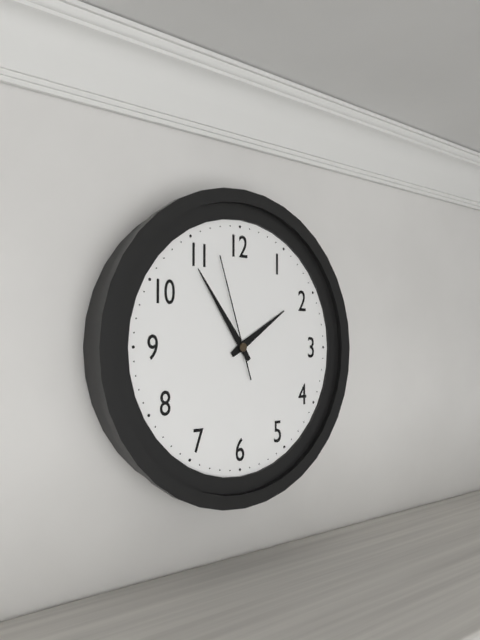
1h54m57s
